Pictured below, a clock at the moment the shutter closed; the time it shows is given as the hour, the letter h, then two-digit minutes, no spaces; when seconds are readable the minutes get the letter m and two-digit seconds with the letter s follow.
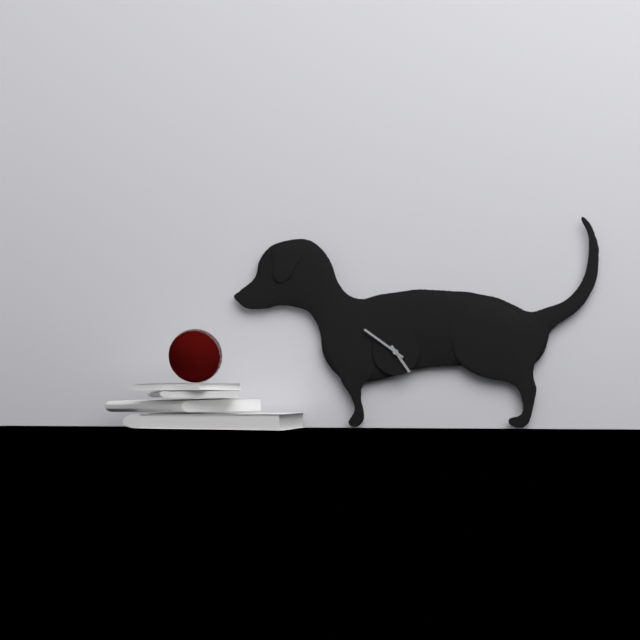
4h51
